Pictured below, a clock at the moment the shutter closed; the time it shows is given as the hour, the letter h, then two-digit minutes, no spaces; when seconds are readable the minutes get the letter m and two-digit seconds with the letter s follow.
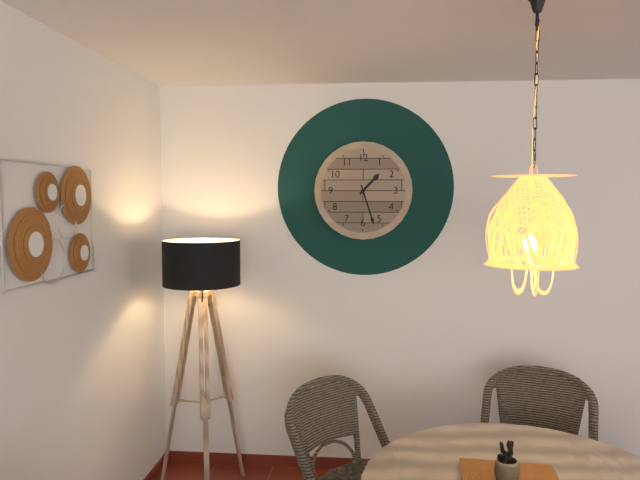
1h27
